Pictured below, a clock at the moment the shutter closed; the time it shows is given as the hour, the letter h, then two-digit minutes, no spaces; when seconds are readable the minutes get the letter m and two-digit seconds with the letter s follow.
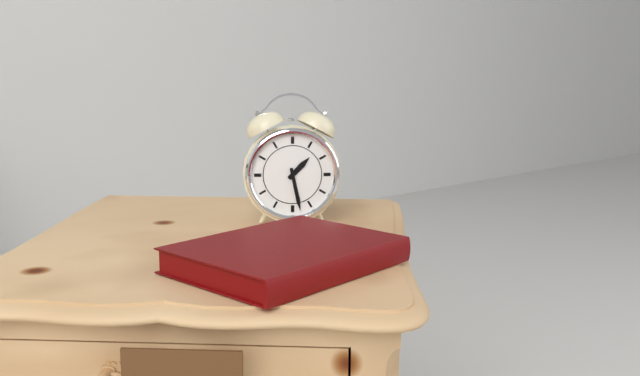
1h28
